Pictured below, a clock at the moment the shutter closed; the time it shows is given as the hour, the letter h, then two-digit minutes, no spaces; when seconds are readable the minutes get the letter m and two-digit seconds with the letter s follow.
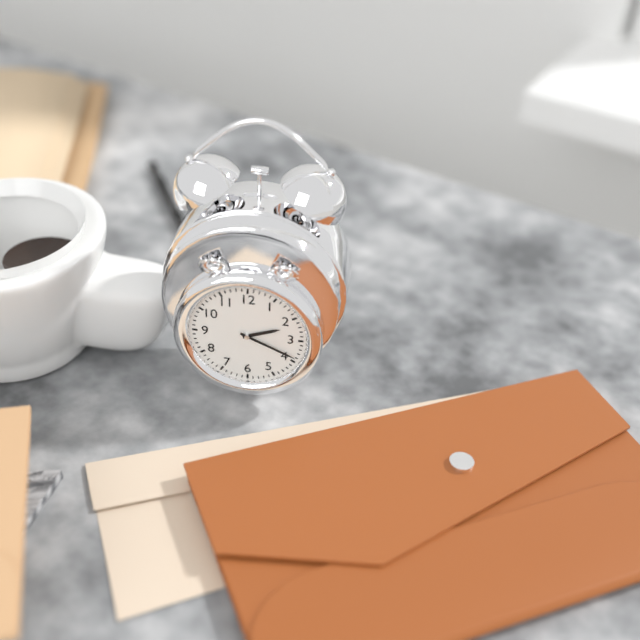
2h19
